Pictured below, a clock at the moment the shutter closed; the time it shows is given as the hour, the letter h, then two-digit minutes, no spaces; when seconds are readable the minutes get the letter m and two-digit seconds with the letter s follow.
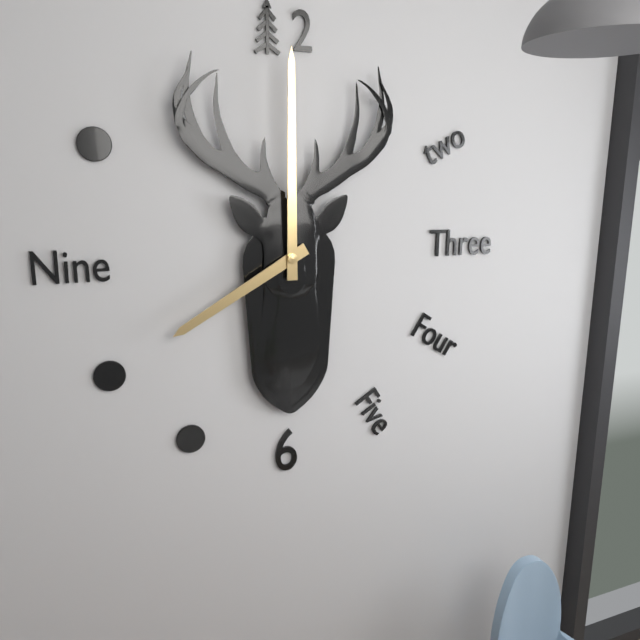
8h00
